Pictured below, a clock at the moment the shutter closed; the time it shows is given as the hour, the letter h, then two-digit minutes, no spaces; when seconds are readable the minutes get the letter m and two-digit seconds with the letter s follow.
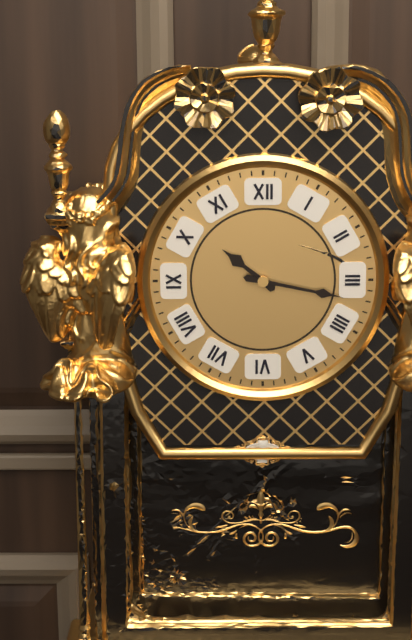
10h17
